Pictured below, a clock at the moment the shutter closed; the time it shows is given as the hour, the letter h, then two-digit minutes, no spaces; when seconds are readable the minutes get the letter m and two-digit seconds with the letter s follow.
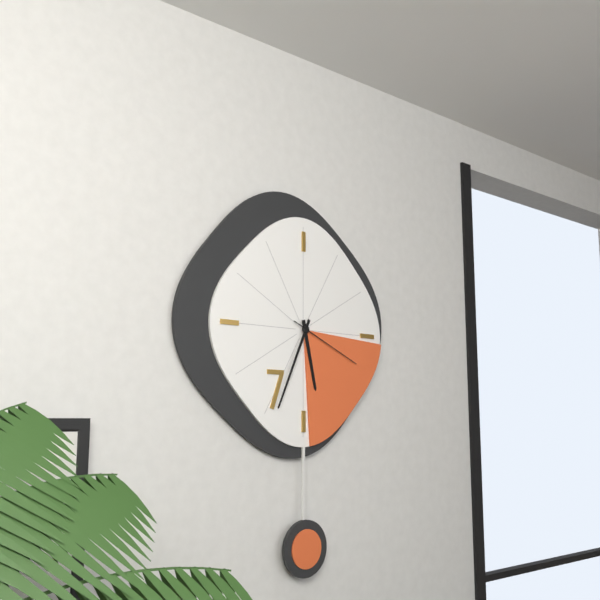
5h34m19s
